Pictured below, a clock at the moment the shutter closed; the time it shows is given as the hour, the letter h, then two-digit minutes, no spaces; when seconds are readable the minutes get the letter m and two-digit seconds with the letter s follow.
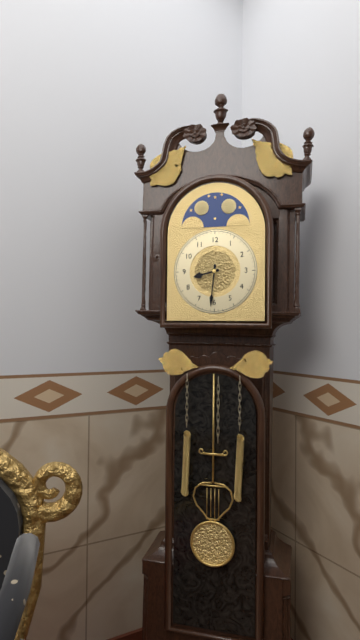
8h31
